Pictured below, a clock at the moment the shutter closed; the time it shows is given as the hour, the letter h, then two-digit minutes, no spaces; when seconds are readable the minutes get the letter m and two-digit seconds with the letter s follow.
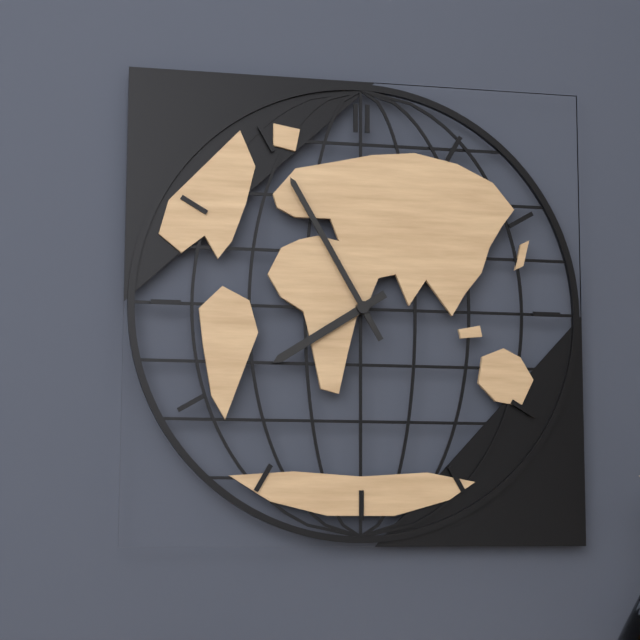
7h55
